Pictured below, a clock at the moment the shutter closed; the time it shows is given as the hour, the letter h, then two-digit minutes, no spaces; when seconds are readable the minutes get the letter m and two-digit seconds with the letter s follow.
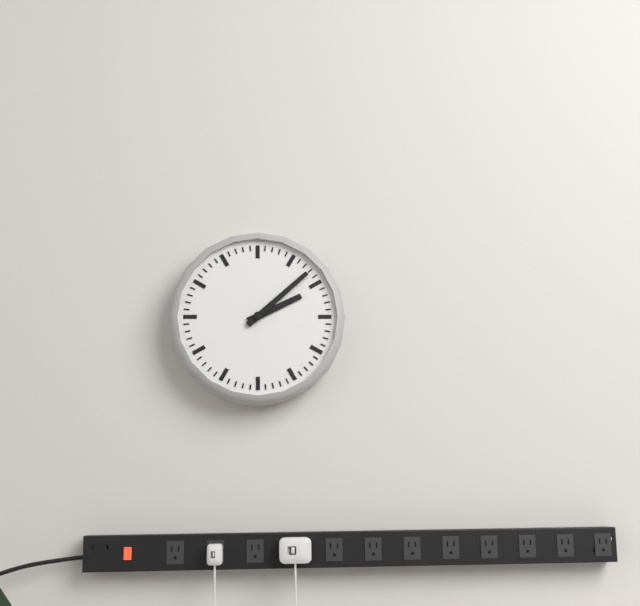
2h08
